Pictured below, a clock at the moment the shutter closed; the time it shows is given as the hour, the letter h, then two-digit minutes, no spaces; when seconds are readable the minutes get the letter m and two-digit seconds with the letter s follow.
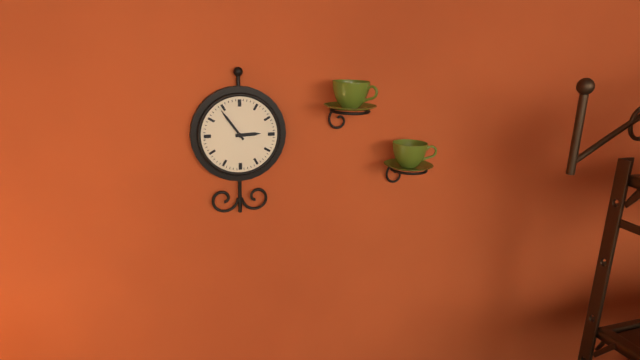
2h54
